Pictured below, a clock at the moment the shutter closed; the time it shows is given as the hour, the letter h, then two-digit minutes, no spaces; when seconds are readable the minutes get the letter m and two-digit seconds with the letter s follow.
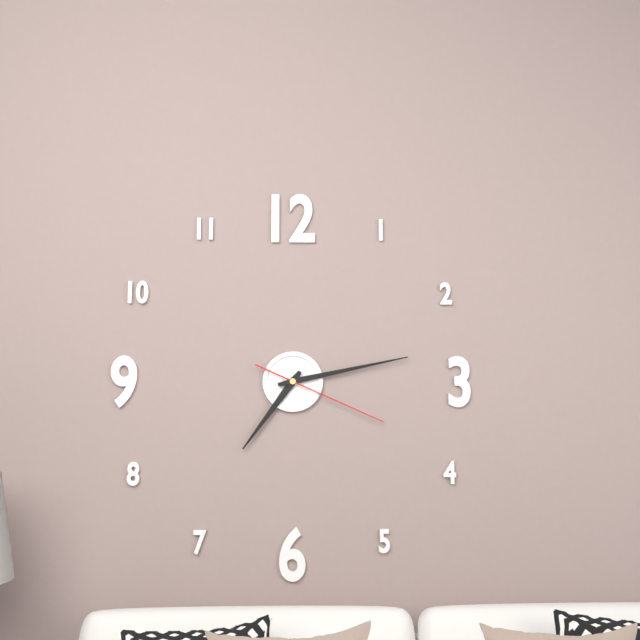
7h13m19s
